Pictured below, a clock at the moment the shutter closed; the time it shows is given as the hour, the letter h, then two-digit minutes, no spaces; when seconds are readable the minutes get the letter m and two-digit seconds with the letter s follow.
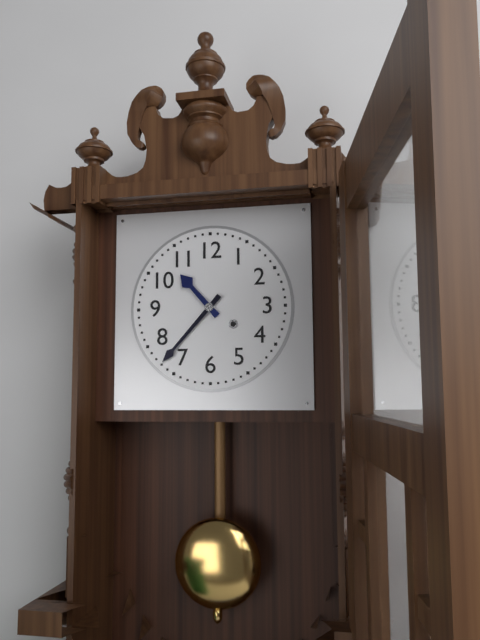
10h37
